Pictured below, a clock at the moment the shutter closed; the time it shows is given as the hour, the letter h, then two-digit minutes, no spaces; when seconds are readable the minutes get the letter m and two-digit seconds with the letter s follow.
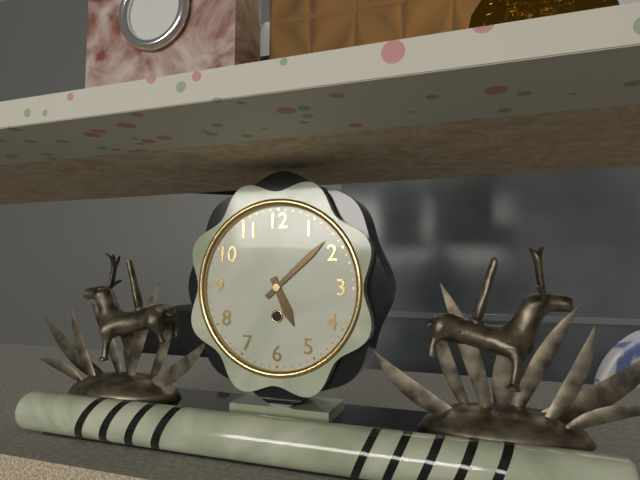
5h08
